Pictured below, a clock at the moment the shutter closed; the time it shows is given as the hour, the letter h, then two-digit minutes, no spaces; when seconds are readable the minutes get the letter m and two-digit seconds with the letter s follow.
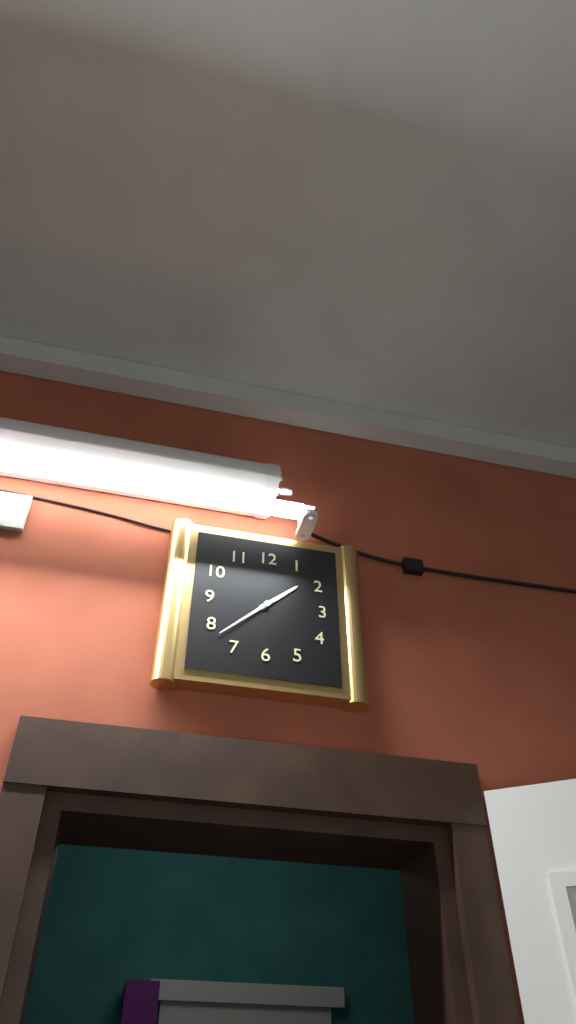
1h38
